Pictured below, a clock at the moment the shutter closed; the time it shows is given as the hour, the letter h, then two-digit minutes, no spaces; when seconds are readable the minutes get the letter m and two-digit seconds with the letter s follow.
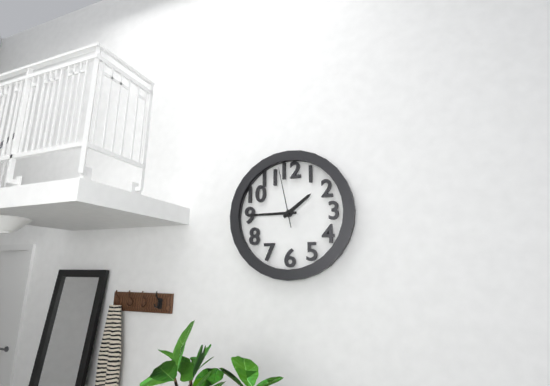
1h45m58s
